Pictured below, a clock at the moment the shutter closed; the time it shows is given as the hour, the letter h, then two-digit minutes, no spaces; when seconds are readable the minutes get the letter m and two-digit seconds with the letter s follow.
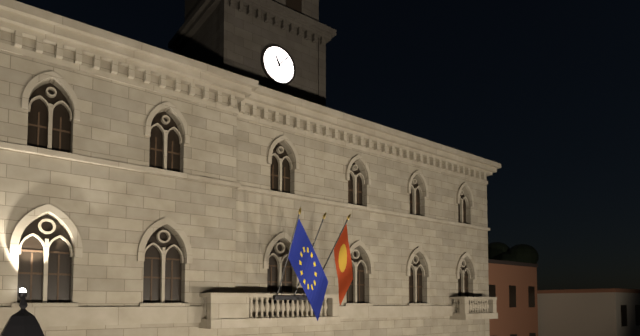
11h07
